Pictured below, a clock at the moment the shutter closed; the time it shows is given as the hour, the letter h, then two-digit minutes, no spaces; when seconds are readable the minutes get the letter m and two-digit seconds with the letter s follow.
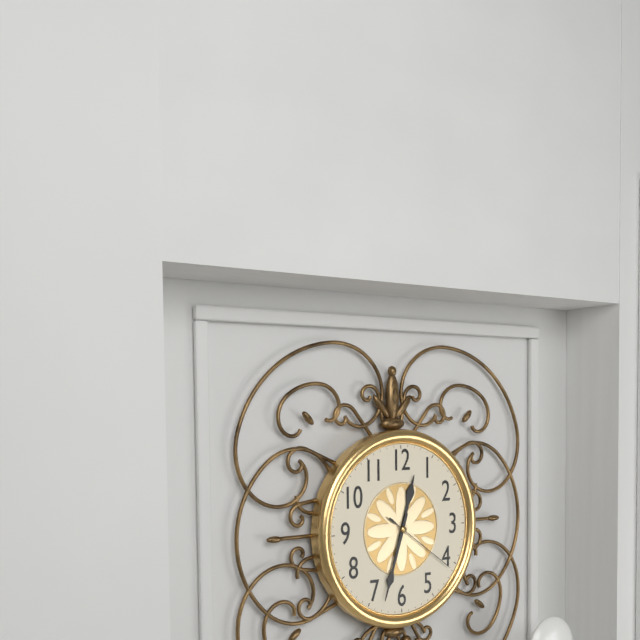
12h33m21s
